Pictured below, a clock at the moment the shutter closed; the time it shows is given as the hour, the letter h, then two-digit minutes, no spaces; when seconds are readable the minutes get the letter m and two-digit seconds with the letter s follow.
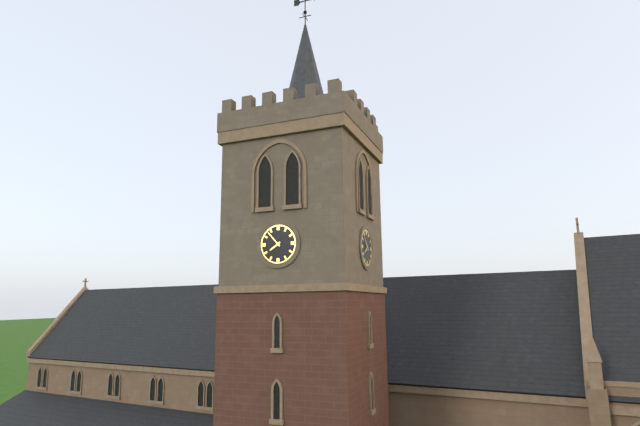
7h53
